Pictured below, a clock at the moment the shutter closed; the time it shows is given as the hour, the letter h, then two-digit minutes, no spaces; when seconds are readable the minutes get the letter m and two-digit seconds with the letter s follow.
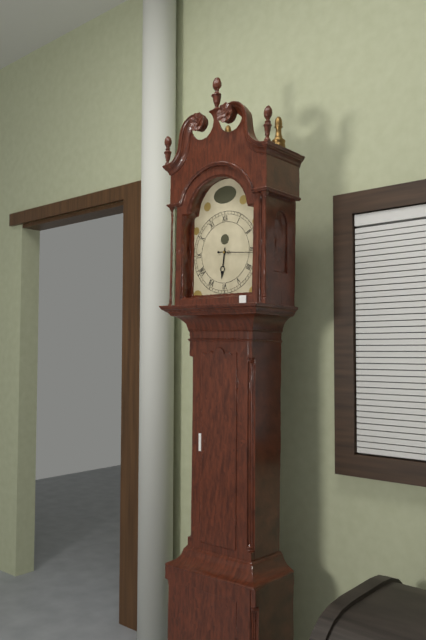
6h16
